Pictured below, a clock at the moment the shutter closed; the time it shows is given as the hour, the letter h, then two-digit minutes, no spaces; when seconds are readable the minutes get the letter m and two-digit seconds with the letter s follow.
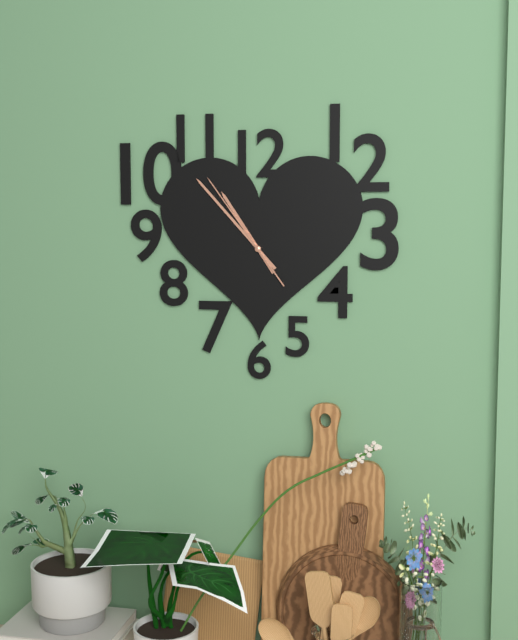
10h53m54s
